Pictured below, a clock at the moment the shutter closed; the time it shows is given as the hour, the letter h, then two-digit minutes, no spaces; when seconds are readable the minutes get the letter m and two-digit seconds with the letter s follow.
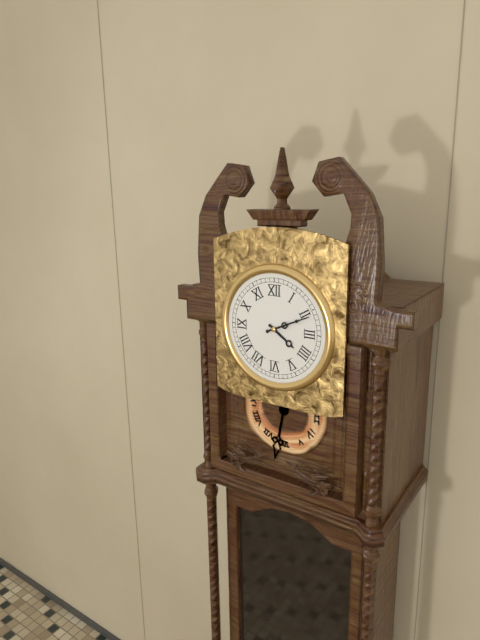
4h11
